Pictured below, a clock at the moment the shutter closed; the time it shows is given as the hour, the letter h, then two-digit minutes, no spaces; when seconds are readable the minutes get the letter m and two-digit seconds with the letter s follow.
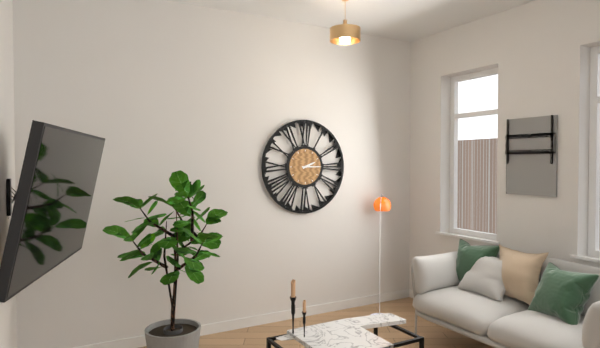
2h15
